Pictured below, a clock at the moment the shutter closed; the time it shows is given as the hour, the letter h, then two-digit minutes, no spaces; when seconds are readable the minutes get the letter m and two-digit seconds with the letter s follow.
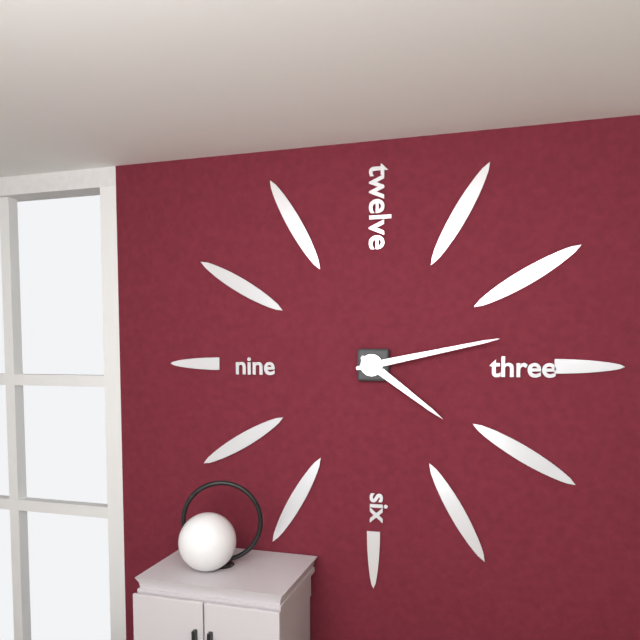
4h13
